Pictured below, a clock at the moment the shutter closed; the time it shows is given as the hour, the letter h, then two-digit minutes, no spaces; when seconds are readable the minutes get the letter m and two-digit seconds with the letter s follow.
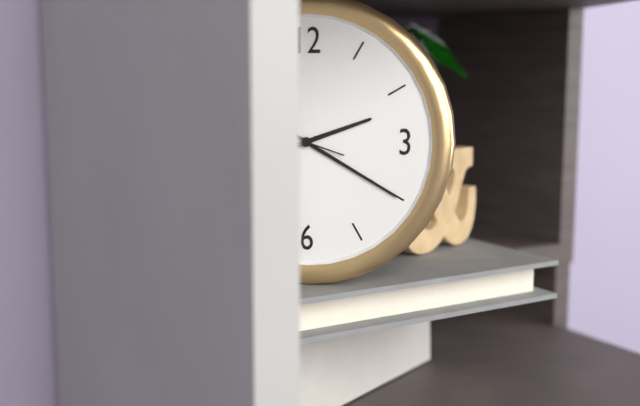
2h20
